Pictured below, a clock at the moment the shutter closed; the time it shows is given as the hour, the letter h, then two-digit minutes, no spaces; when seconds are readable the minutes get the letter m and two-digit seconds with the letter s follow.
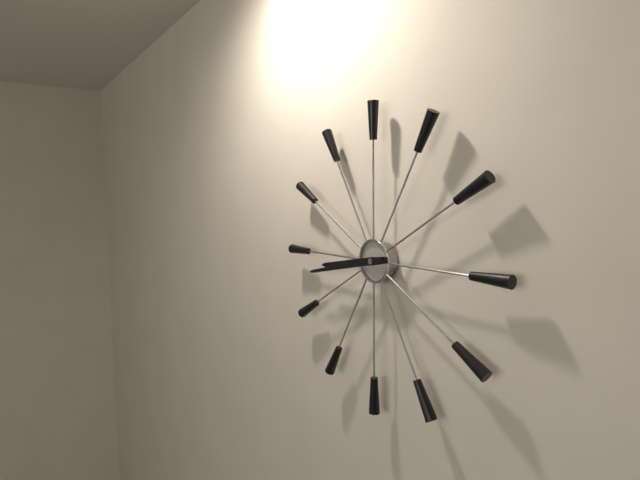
8h43
